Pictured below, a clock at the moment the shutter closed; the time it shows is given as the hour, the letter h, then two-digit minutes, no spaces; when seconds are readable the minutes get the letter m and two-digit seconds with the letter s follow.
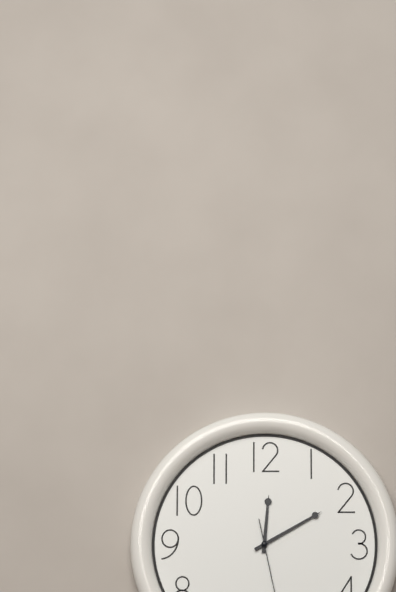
12h10
